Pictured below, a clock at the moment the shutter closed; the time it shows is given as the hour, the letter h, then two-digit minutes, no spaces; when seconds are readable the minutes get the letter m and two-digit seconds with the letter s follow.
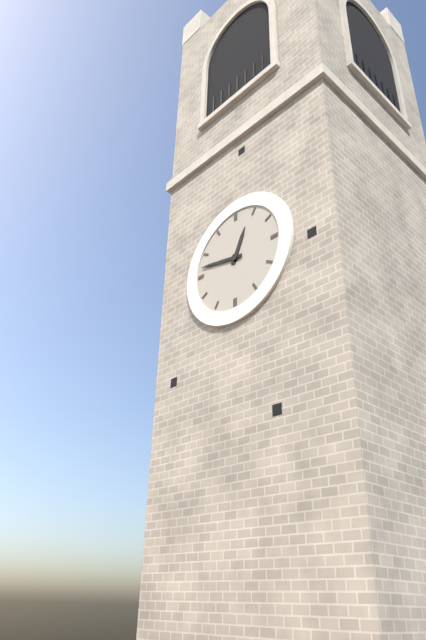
12h47
